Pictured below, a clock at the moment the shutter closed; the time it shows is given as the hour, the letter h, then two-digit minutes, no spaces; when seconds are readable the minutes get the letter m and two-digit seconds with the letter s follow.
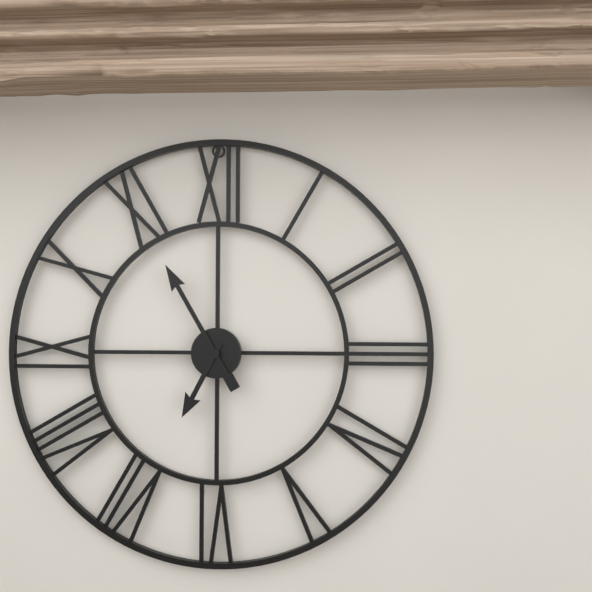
6h55
